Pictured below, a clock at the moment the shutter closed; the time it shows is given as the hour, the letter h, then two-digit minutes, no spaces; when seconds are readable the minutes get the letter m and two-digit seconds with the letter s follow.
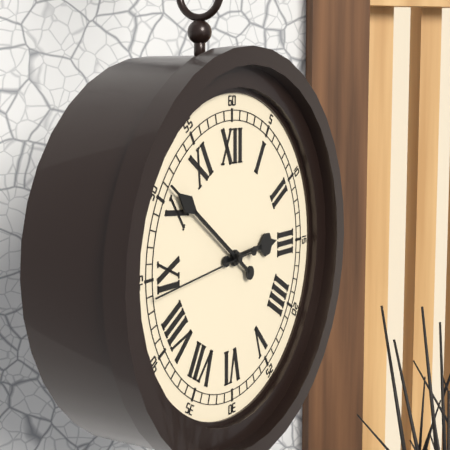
2h51m44s
